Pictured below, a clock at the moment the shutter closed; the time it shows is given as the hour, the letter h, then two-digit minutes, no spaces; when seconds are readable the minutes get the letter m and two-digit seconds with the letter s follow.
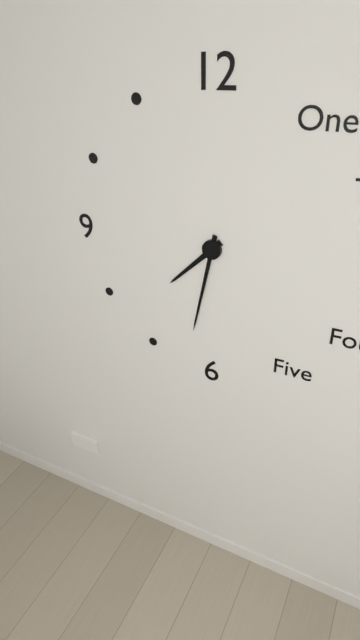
7h32
